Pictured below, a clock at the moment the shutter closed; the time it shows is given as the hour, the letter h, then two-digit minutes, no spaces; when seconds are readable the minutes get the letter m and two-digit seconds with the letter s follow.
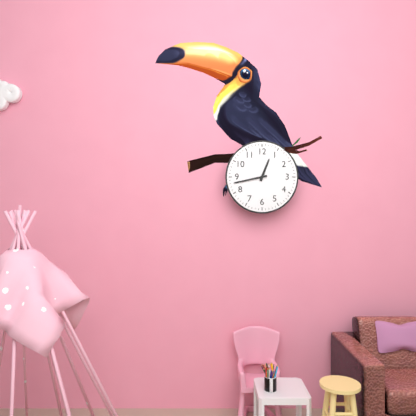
12h43
